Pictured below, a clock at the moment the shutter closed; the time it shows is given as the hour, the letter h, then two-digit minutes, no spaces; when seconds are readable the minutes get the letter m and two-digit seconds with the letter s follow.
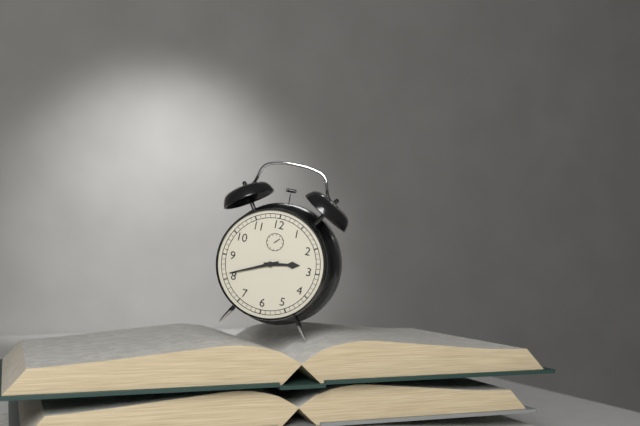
2h41
